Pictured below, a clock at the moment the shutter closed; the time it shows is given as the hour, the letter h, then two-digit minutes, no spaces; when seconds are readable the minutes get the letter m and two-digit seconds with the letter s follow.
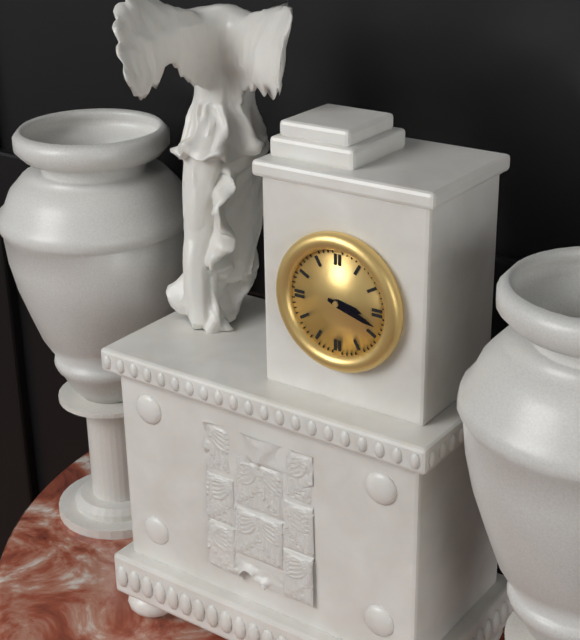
3h18
